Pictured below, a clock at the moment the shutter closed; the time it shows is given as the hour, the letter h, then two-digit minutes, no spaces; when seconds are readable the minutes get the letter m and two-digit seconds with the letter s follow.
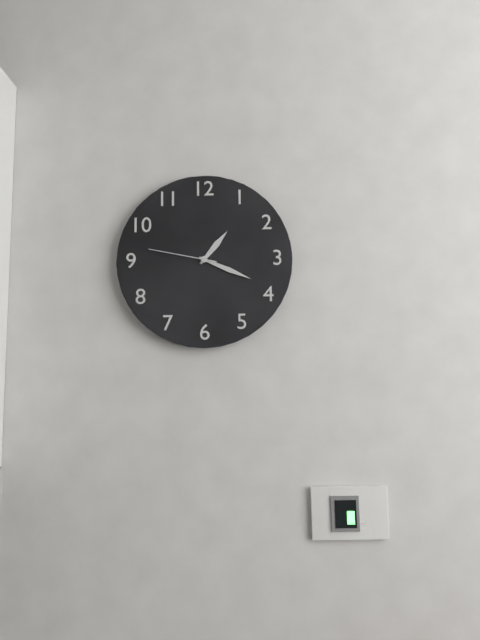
1h19m47s
